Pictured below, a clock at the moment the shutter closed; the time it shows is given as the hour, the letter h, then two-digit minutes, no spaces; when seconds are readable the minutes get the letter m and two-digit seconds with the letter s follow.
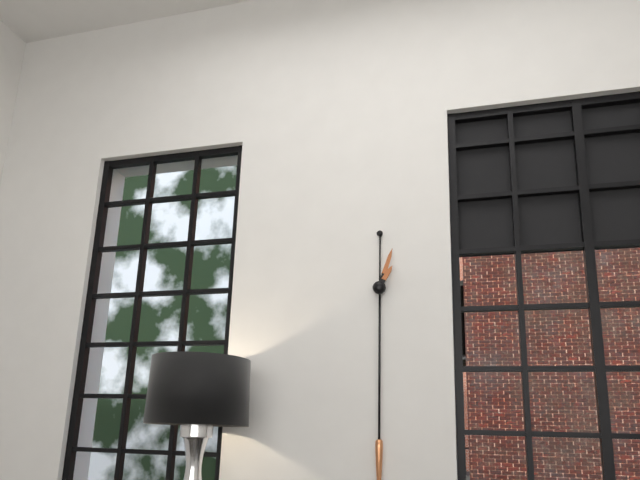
1h03
